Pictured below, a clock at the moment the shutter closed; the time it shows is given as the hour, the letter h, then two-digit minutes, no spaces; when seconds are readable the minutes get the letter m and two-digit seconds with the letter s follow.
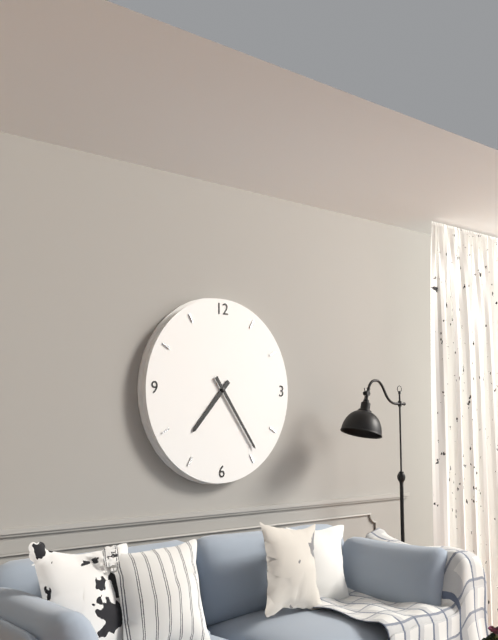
7h24
